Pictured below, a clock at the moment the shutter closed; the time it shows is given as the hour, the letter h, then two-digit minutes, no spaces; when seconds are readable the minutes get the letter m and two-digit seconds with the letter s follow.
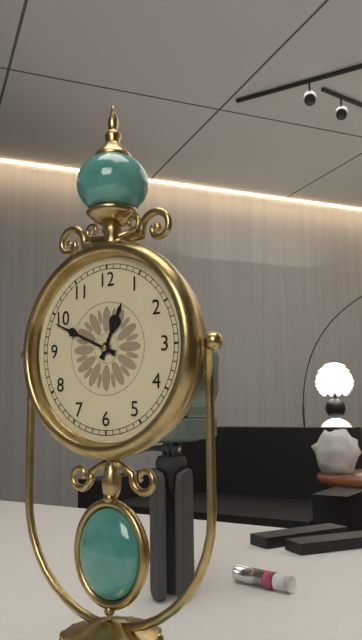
12h49
